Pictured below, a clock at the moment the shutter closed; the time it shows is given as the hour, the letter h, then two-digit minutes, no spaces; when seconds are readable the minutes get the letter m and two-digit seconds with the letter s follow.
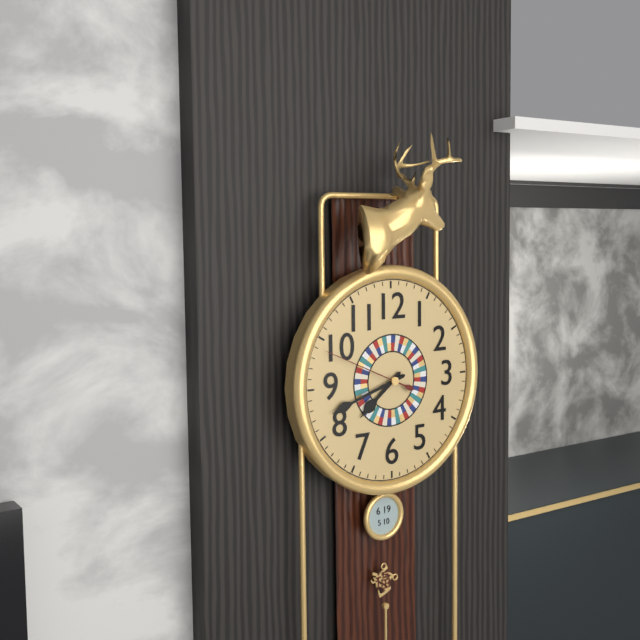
7h42m49s
